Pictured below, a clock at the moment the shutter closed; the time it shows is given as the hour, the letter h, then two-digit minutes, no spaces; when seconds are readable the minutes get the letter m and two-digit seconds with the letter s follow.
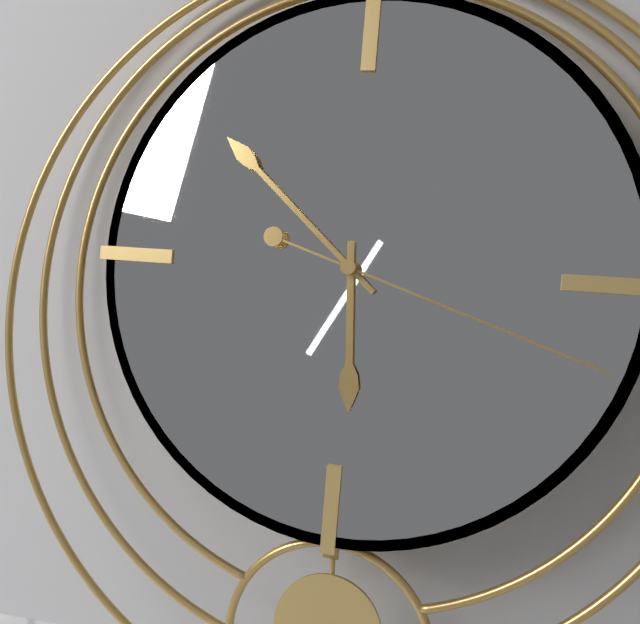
5h52m18s
